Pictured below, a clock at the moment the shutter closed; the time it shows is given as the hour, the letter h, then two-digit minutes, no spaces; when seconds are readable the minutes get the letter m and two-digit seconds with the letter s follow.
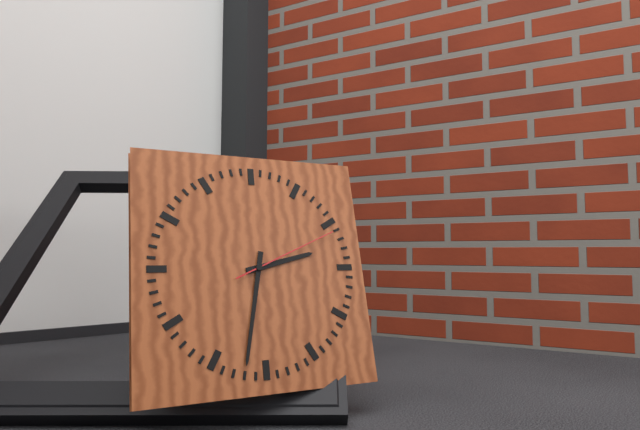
2h32m11s
